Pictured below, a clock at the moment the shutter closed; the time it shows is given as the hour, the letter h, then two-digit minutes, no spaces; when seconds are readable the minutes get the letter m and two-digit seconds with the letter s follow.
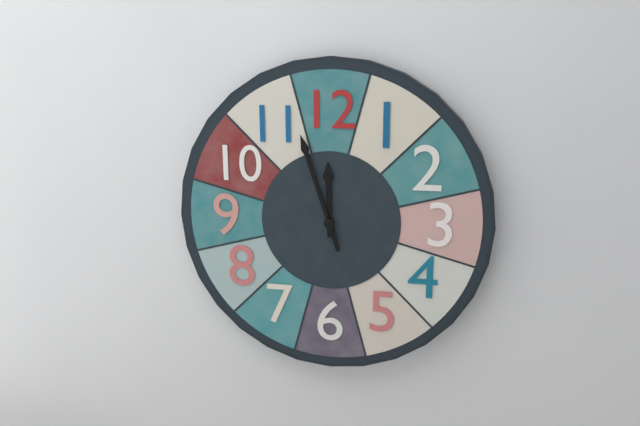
11h57
